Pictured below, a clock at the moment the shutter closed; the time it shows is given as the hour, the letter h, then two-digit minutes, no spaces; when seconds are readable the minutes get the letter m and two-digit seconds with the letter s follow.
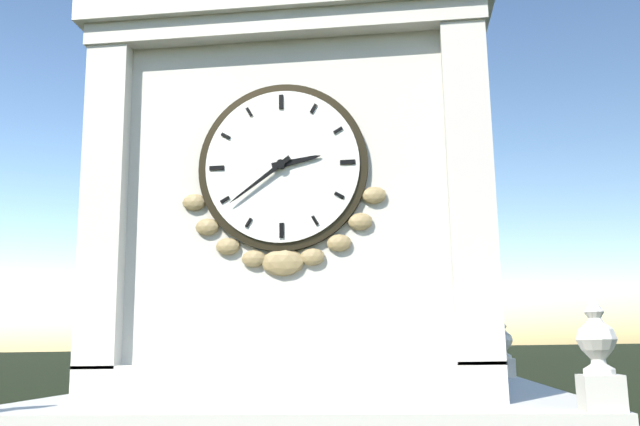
2h39
